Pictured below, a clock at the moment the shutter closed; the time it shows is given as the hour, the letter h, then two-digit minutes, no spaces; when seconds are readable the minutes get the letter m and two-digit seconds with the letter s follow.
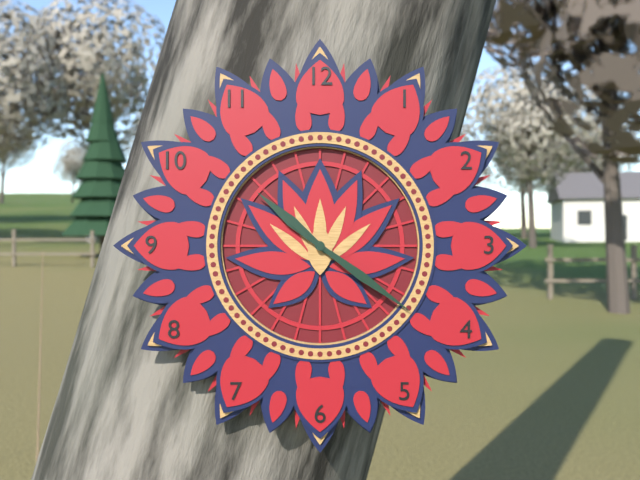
10h21
